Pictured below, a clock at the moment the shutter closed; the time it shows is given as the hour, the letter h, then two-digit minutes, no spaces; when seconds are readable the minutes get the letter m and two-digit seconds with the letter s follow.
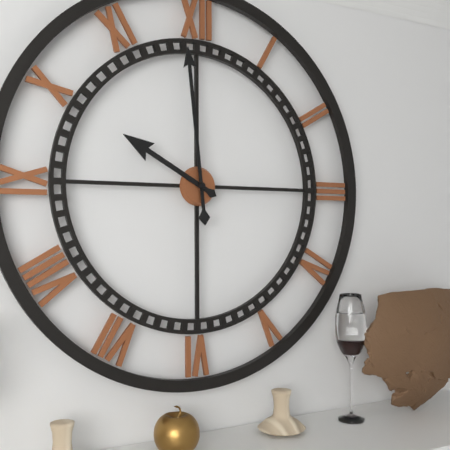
9h59
